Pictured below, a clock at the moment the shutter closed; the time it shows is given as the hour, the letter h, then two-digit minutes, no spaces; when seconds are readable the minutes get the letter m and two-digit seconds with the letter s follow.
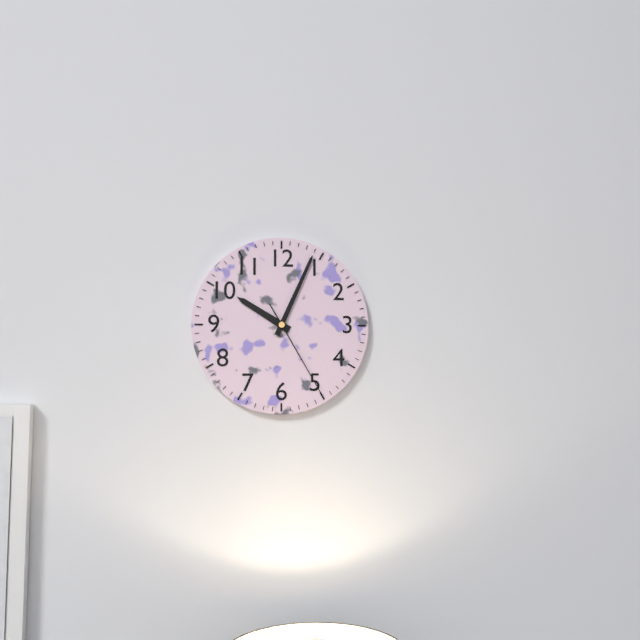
10h04m25s
